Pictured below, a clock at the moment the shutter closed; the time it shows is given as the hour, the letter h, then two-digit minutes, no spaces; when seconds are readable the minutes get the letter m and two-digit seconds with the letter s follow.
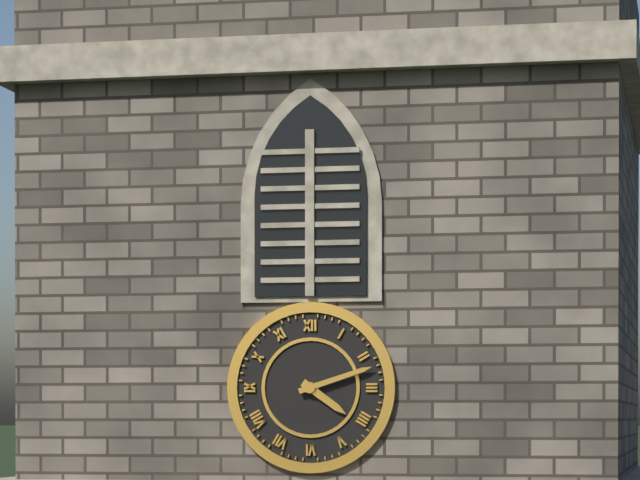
4h12
